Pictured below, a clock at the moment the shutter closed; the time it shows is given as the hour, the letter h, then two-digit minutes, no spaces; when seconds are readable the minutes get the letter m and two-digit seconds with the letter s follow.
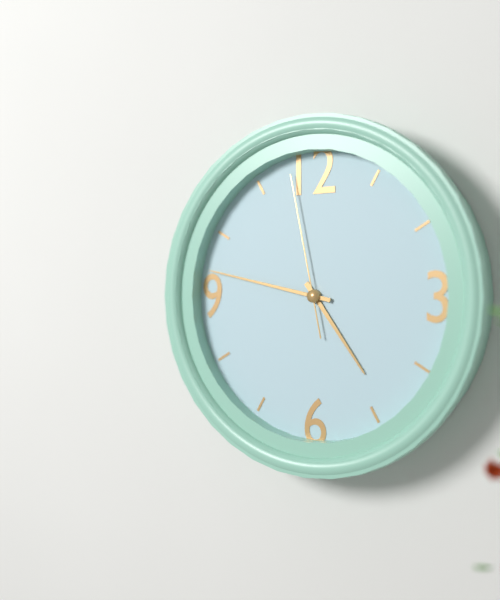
4h47m58s
